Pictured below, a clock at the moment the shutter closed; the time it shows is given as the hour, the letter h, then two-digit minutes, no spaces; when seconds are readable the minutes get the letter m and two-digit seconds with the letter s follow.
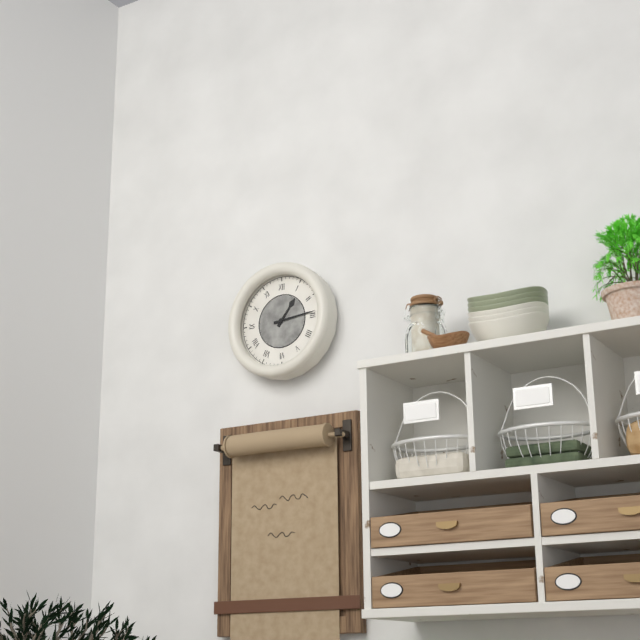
1h14
